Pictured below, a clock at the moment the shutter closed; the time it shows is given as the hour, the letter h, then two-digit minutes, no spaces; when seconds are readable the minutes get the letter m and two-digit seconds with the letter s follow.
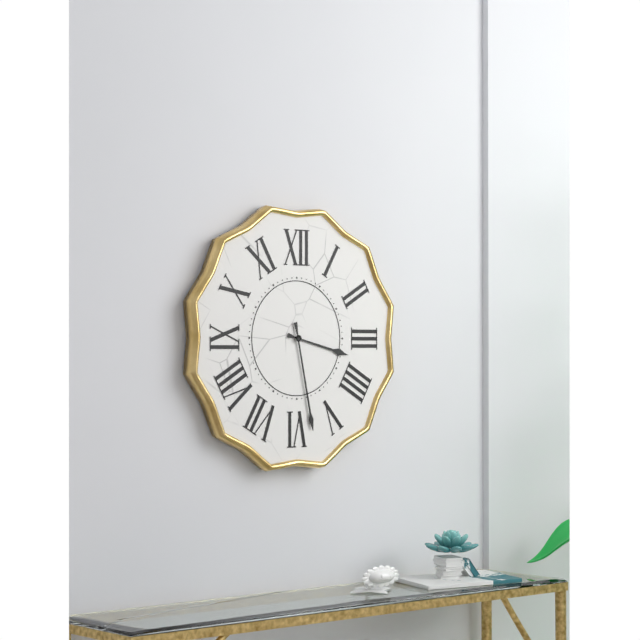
3h28
